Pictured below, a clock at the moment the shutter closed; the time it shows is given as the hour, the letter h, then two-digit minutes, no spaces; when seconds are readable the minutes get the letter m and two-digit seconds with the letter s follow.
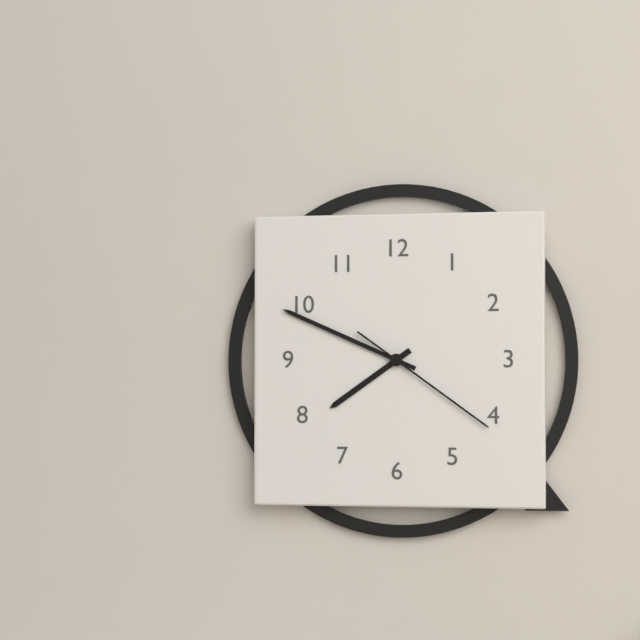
7h49m21s
